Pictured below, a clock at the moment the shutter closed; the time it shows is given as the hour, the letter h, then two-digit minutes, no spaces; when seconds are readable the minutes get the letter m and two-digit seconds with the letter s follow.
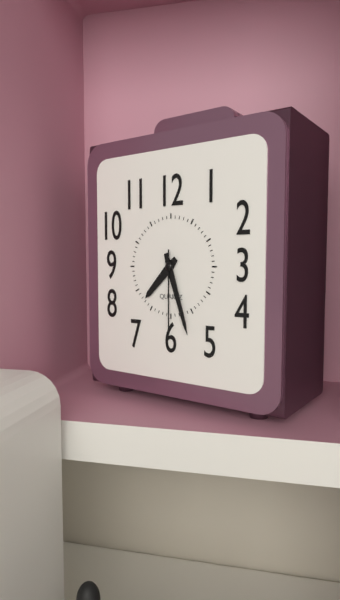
7h27m30s
